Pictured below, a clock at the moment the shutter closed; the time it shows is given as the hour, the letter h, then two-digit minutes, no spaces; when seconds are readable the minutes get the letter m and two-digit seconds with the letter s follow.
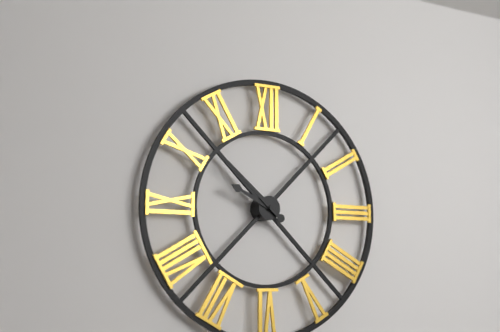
9h52
